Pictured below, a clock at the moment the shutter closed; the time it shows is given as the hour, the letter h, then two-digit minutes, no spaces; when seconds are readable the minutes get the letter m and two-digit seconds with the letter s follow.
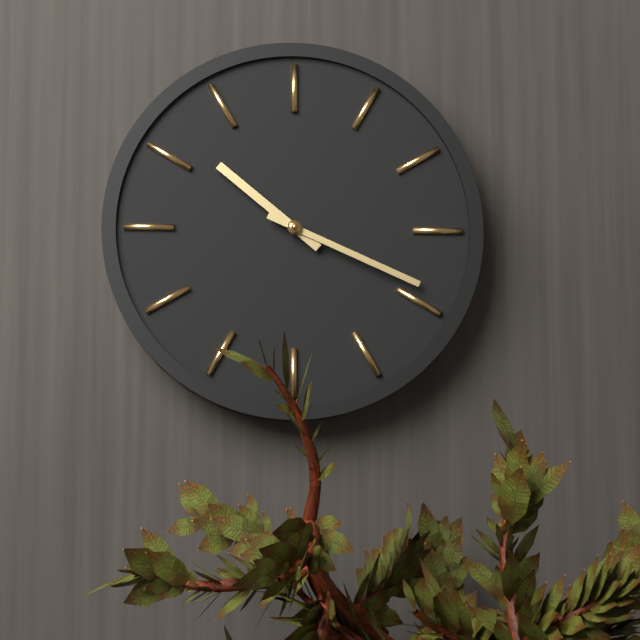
10h19
